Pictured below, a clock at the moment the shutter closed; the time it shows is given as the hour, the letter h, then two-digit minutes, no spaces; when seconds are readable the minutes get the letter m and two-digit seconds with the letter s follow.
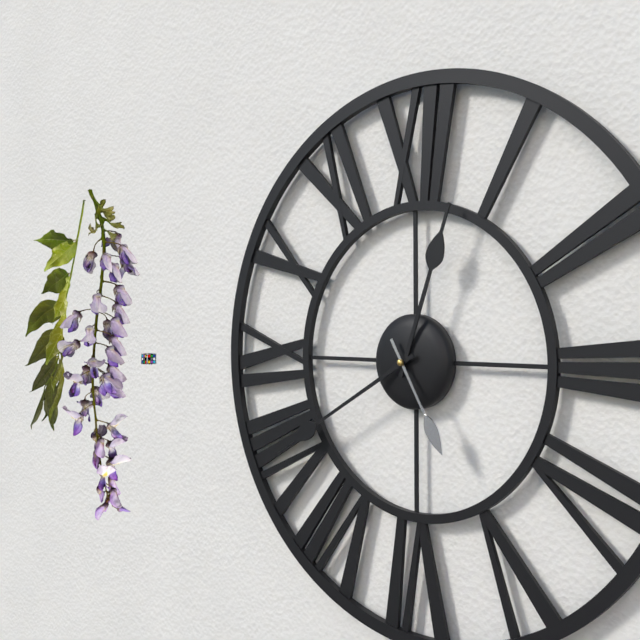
12h40m25s
